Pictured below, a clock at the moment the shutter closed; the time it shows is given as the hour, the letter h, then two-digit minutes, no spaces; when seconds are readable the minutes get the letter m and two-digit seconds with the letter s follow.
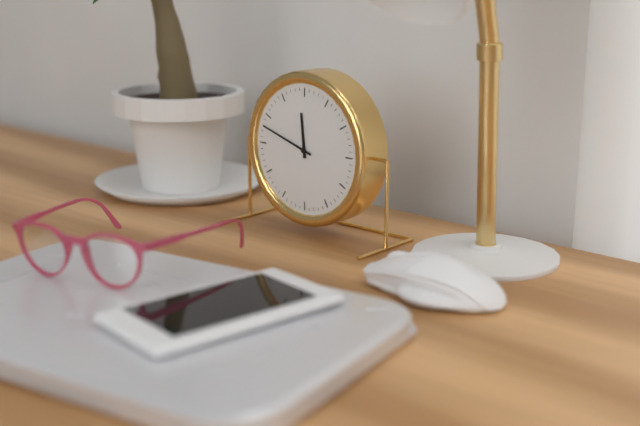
11h48
